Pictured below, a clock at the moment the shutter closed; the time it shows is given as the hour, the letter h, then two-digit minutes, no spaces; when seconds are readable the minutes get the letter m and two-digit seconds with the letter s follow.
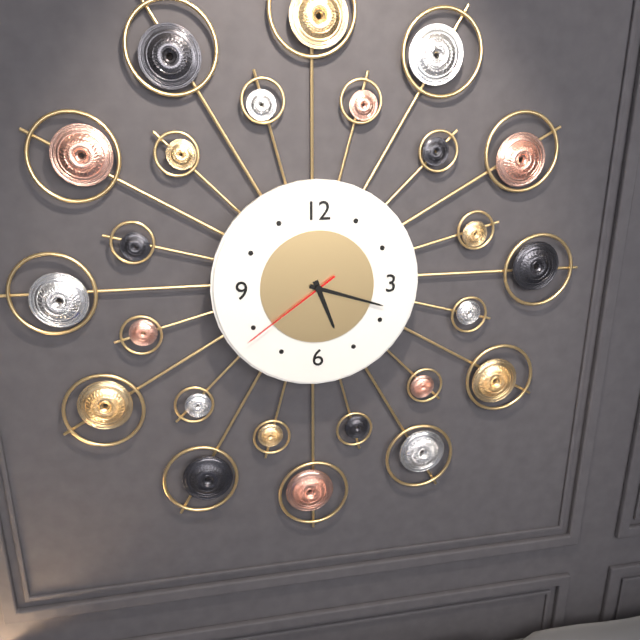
5h18m39s
